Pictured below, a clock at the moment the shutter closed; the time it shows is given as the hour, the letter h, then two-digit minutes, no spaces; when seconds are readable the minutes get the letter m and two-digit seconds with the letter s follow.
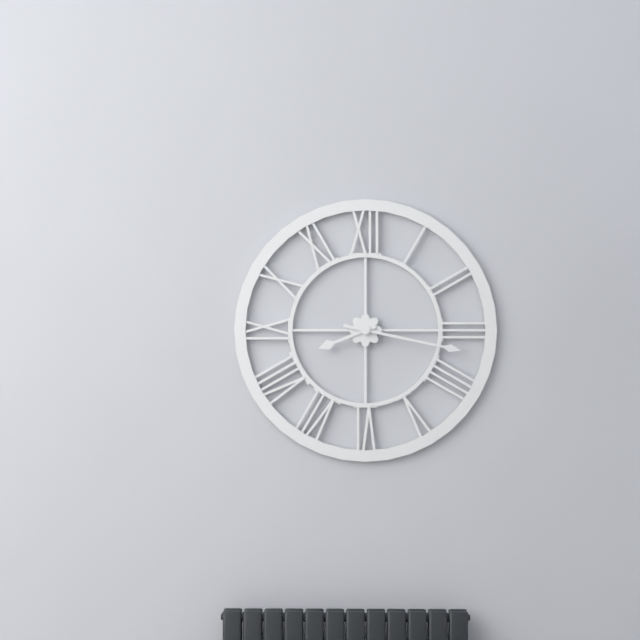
8h17
